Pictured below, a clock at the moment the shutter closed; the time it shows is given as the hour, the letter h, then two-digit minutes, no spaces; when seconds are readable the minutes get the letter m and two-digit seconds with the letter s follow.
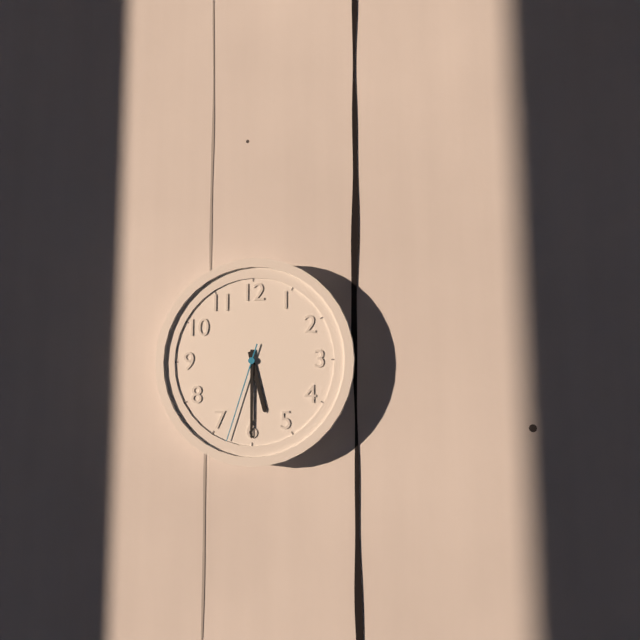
5h30m33s
